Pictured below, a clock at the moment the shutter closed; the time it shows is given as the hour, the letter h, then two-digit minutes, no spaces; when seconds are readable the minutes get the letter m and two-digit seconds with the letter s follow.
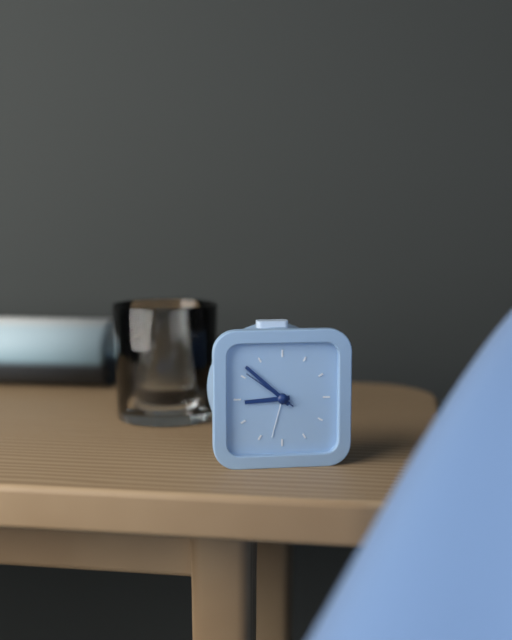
8h52m51s
